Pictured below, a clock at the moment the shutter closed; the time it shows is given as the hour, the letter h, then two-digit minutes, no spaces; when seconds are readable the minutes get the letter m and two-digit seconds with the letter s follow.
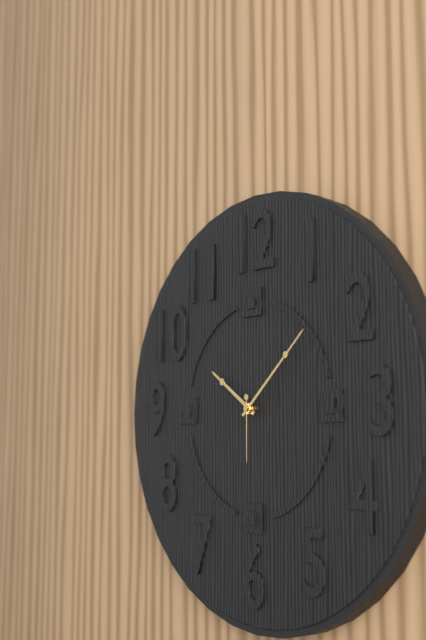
10h08m30s
